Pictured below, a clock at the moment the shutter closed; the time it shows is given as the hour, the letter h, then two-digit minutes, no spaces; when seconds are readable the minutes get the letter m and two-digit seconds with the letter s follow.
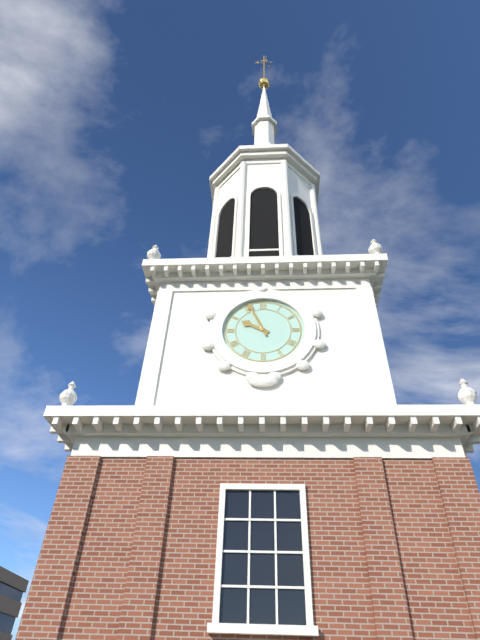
9h56
